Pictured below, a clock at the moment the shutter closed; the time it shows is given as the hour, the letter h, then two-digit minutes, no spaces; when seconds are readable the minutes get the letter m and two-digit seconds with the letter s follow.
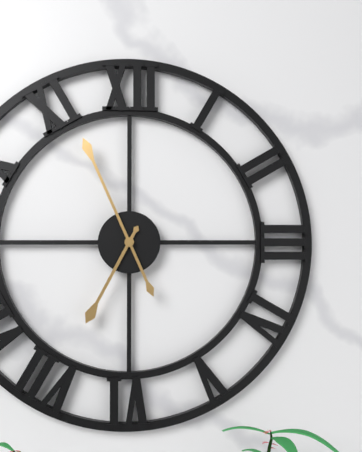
6h56
